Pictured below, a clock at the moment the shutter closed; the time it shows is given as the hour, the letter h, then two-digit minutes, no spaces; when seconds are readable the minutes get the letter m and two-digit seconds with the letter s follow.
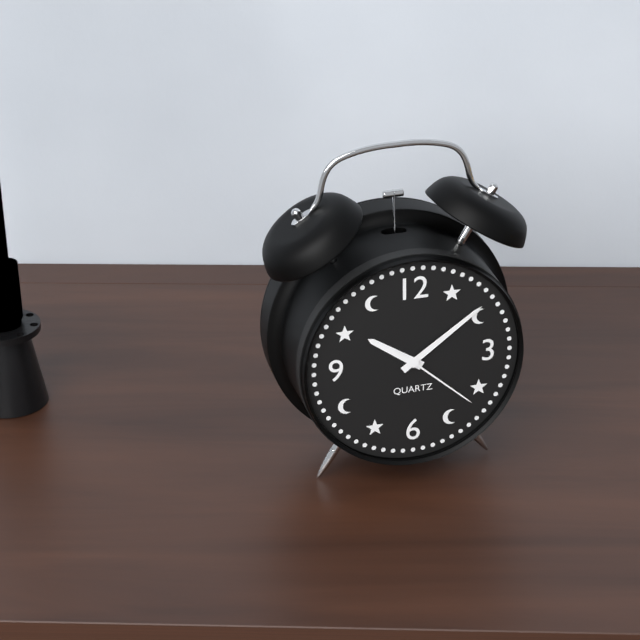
10h09m22s
